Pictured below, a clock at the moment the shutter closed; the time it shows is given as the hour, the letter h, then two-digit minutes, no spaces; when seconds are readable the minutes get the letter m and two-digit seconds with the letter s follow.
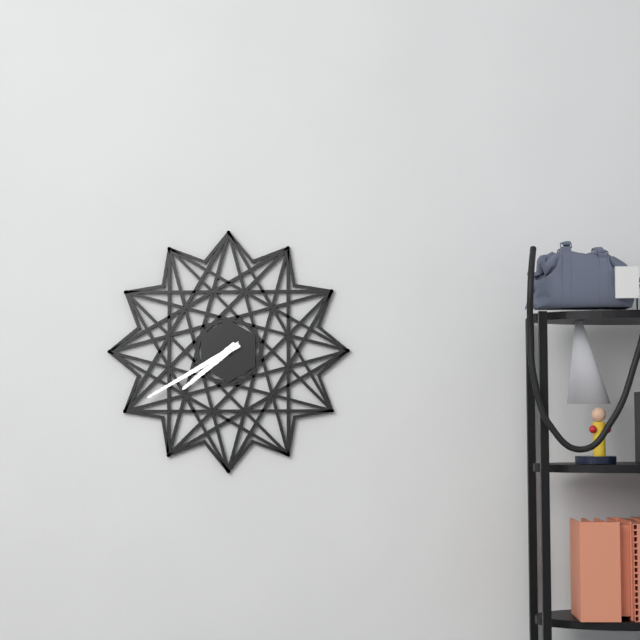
7h40
